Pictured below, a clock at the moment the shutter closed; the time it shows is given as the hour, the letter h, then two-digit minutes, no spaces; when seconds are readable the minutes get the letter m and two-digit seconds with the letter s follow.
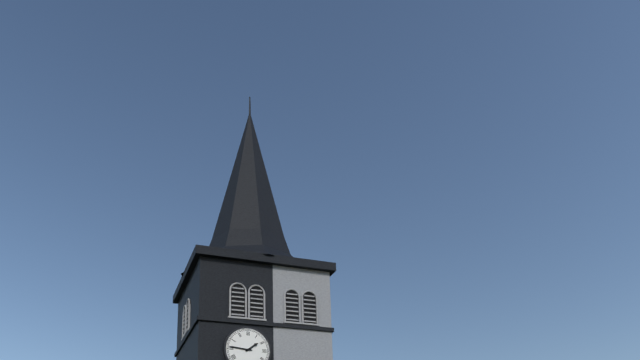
1h46
